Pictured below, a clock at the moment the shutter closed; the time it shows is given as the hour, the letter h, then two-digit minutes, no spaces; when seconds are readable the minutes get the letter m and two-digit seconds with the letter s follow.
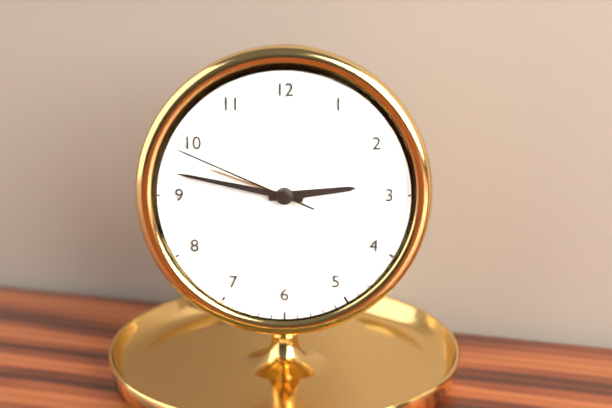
2h47m49s
